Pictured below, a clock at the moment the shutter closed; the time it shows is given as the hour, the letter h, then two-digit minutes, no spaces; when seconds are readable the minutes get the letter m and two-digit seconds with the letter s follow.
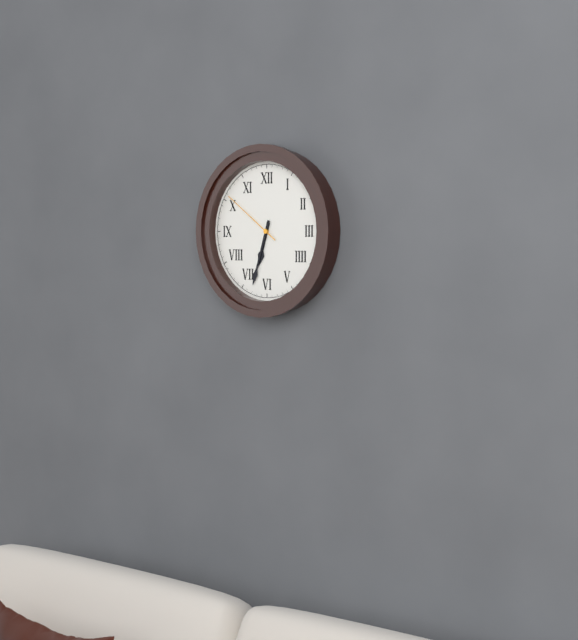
6h33m51s
